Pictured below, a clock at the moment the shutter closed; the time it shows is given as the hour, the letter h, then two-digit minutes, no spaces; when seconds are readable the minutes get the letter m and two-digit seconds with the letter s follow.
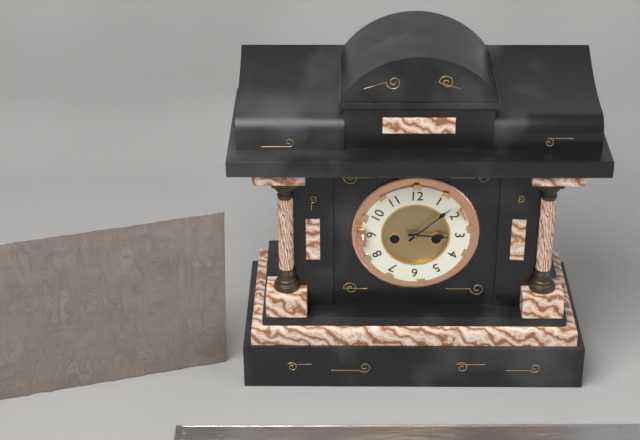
3h08
